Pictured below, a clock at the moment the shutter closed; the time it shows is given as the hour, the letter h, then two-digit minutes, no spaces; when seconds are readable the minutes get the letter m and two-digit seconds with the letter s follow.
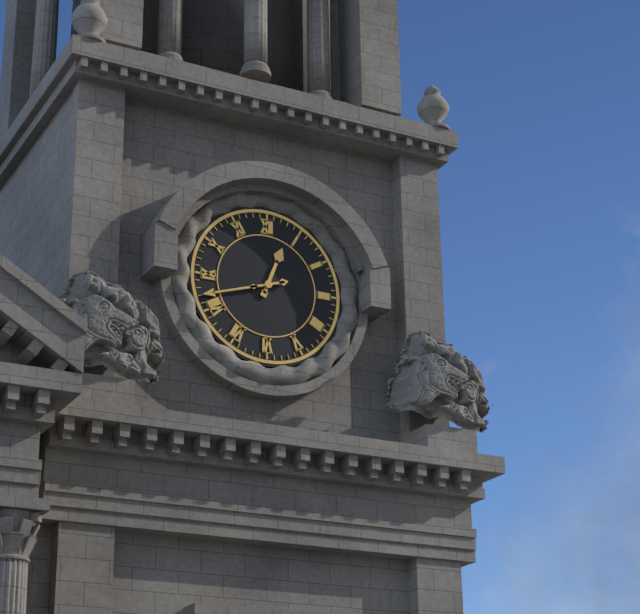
12h42
